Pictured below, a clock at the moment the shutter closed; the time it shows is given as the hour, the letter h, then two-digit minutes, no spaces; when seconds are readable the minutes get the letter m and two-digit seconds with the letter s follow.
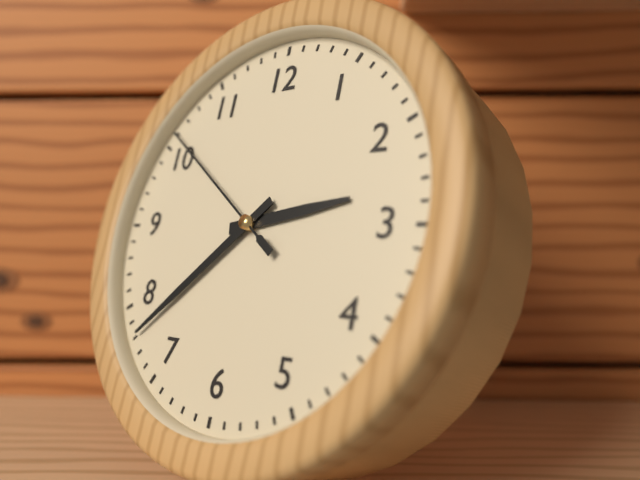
2h38m51s
